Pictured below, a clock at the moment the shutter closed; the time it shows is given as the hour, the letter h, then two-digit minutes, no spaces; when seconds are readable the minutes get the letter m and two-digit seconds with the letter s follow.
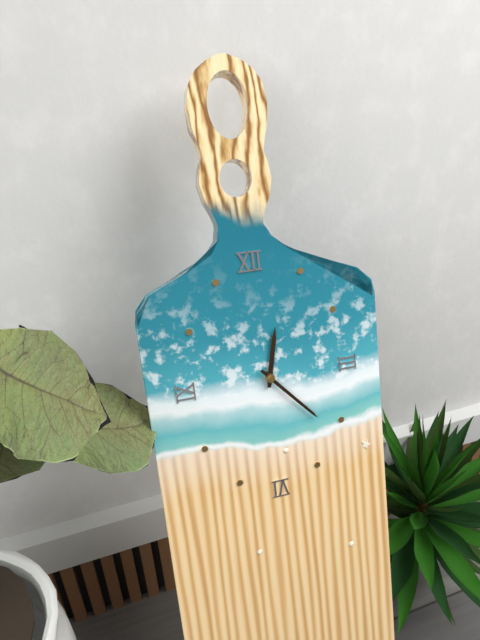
12h23
